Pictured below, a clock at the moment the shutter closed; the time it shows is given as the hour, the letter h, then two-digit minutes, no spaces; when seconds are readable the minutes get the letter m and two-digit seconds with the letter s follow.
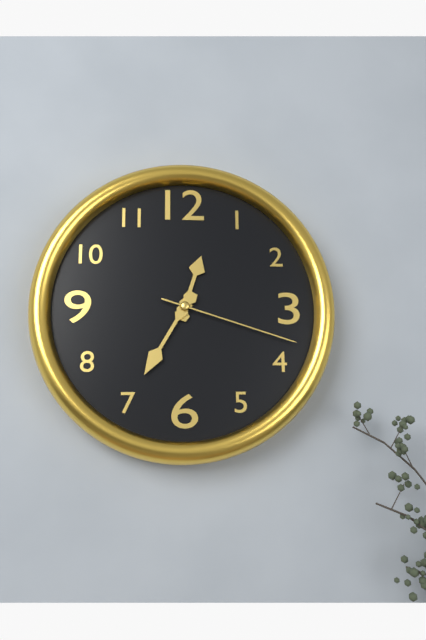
12h35m18s
